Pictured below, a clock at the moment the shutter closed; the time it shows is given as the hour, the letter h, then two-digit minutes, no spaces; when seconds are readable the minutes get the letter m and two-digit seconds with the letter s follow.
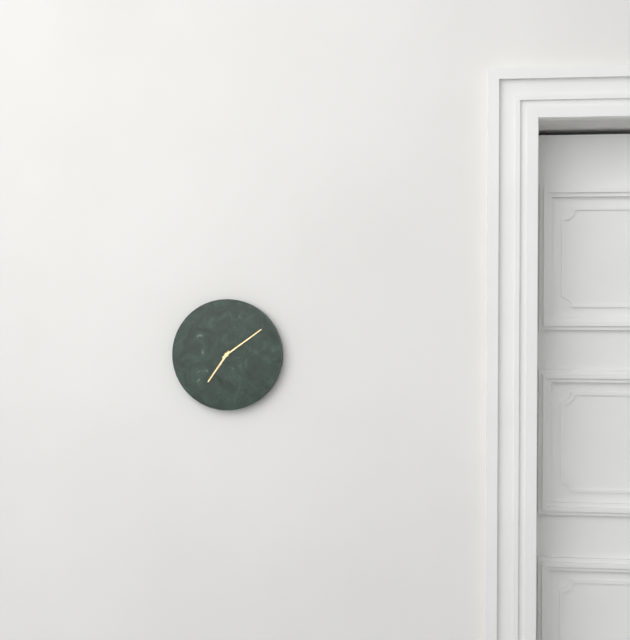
7h09
